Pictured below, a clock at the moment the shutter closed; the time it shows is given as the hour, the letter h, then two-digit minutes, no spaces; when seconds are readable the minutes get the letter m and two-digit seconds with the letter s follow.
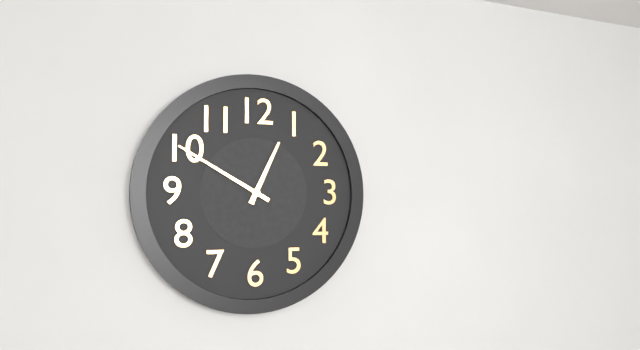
12h50
